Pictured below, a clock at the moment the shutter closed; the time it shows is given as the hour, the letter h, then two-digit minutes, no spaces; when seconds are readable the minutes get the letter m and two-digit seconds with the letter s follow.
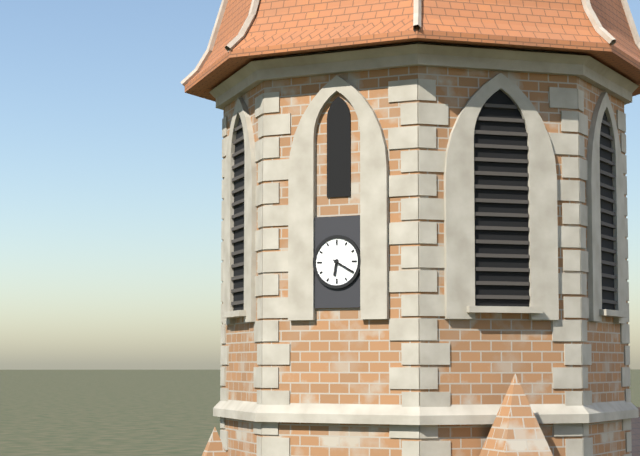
6h20
